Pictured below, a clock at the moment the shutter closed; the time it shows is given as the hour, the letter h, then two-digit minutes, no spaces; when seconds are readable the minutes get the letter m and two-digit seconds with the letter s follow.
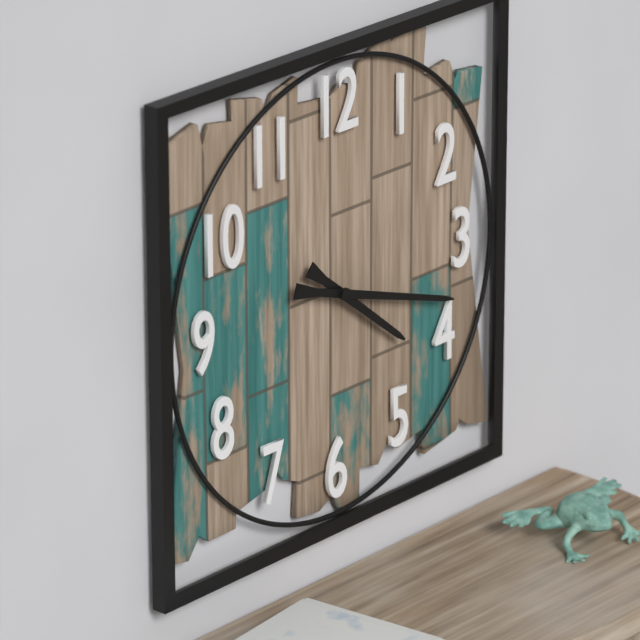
4h18
